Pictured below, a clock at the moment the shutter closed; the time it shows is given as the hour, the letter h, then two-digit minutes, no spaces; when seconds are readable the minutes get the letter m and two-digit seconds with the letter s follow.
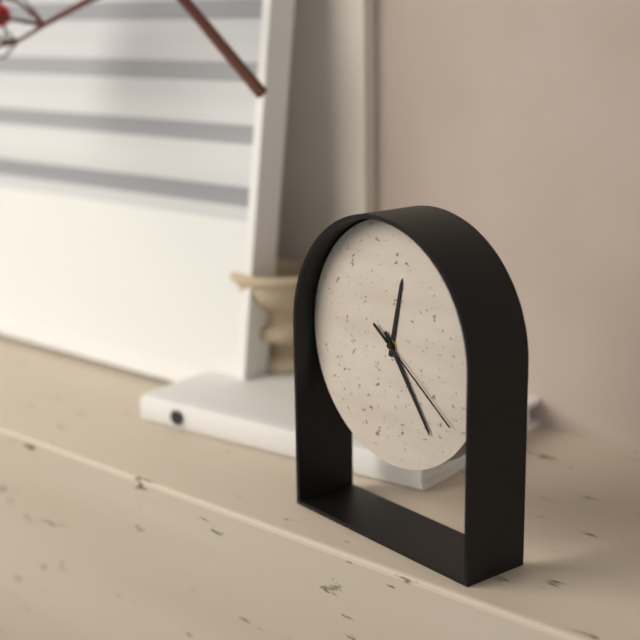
12h24m21s
